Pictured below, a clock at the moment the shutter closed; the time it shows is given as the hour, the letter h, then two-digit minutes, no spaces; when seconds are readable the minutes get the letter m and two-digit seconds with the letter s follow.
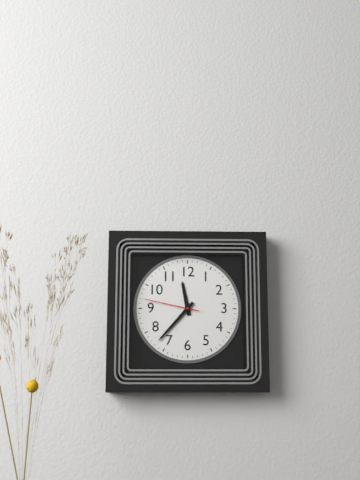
11h37m47s
